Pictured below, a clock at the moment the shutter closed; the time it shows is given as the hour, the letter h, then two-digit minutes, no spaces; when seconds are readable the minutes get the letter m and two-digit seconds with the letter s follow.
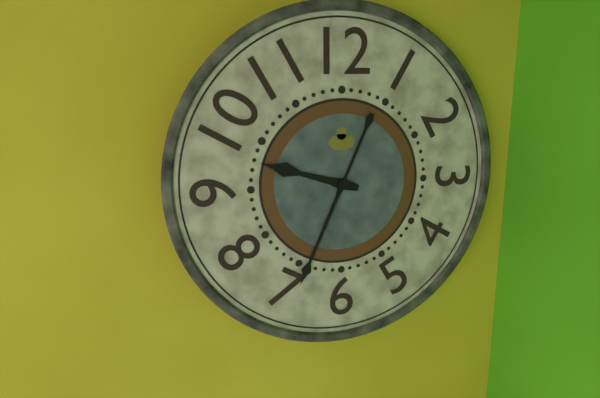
9h34
